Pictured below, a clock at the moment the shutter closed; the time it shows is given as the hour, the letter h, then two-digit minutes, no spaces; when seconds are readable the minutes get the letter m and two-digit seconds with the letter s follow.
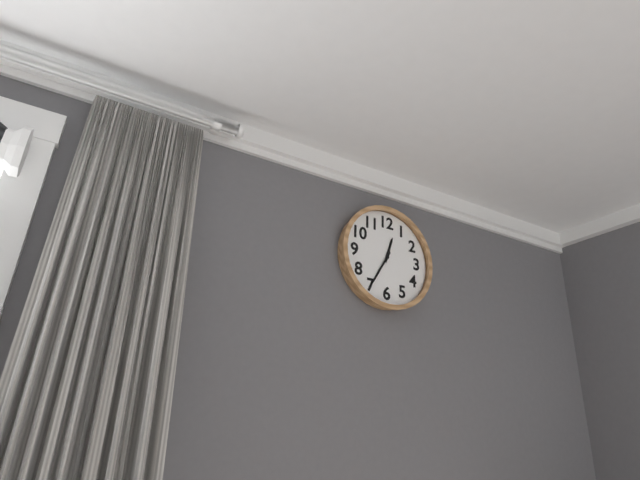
12h35
